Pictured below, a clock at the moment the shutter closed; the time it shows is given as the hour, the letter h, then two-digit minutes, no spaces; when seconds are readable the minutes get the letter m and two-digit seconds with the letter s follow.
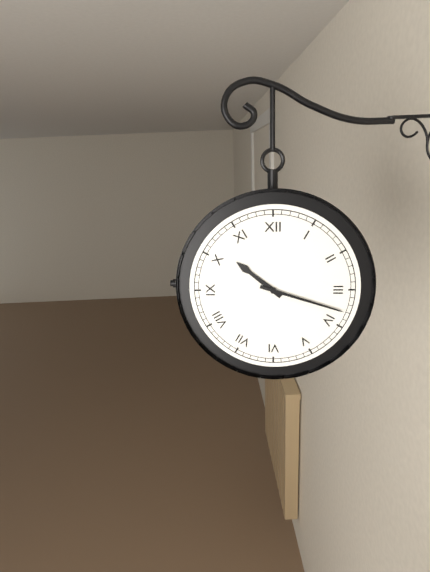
10h18
